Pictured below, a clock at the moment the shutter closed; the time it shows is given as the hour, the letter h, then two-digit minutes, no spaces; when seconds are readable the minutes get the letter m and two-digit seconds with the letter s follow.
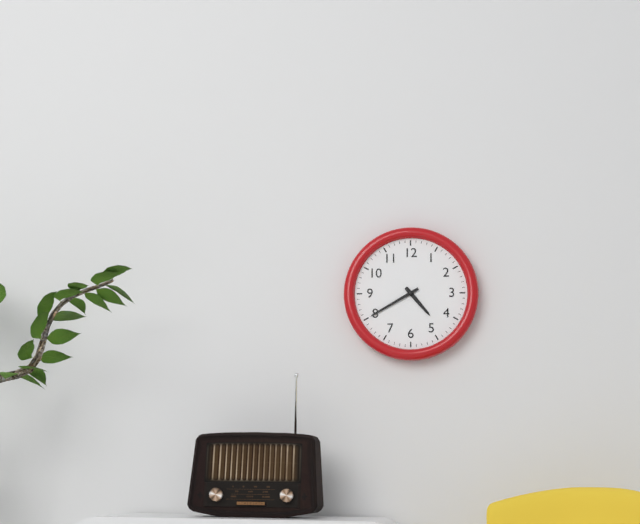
4h40
